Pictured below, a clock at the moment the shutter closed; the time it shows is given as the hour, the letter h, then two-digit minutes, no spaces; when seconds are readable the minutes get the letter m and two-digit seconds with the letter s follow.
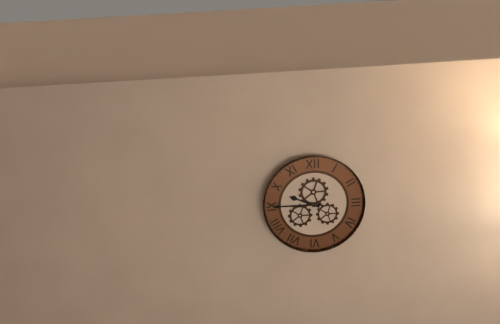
9h45
